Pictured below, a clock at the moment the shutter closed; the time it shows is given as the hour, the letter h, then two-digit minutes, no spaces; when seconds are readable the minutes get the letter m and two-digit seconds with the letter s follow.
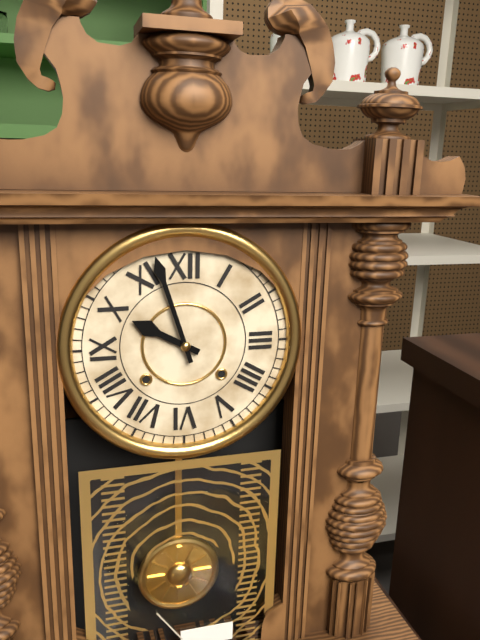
9h57
